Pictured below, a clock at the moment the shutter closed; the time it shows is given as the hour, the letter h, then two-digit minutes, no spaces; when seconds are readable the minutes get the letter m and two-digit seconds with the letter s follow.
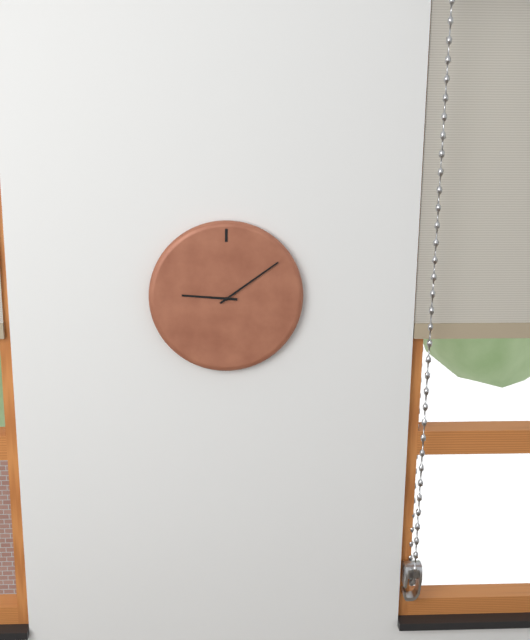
9h09
